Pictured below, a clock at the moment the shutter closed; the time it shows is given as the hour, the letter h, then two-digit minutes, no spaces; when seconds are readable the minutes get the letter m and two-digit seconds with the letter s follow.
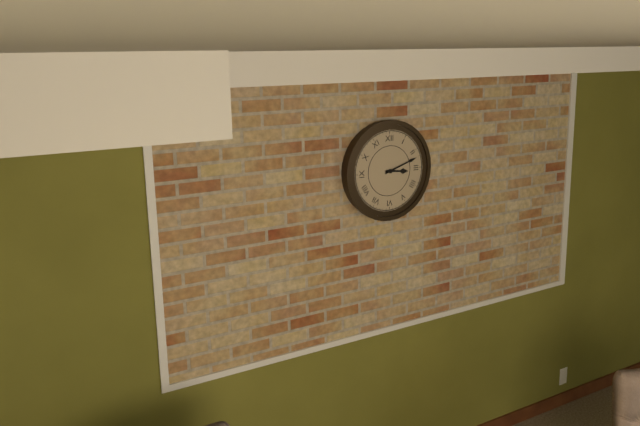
3h12
